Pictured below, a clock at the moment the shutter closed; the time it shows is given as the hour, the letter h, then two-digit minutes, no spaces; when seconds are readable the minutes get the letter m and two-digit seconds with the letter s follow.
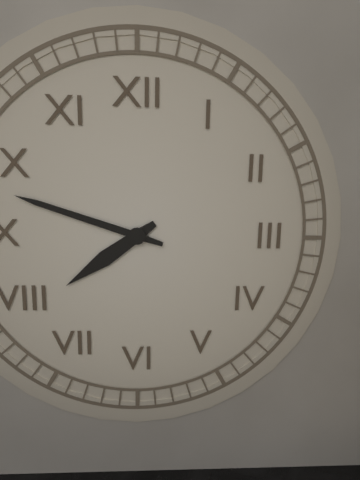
7h48
